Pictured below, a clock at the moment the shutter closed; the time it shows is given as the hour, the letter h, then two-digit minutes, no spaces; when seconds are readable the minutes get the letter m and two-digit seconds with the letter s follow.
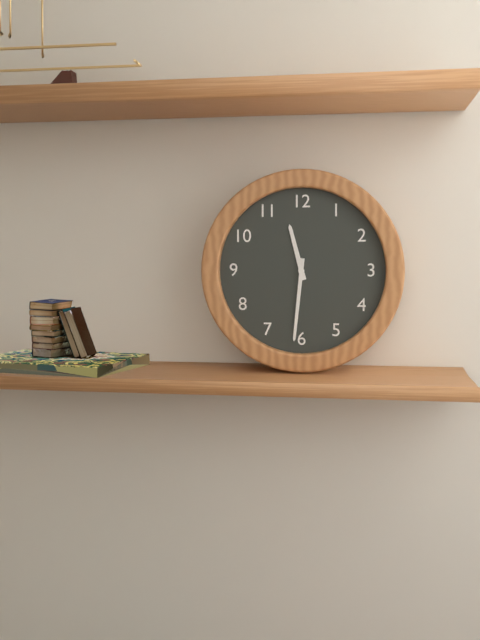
11h31
